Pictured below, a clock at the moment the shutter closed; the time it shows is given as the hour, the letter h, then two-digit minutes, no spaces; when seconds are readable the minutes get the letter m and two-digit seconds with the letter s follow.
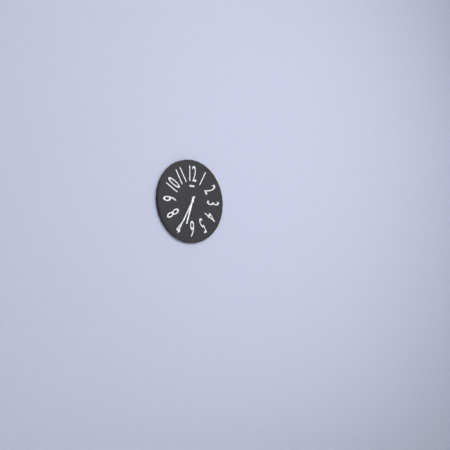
6h35
